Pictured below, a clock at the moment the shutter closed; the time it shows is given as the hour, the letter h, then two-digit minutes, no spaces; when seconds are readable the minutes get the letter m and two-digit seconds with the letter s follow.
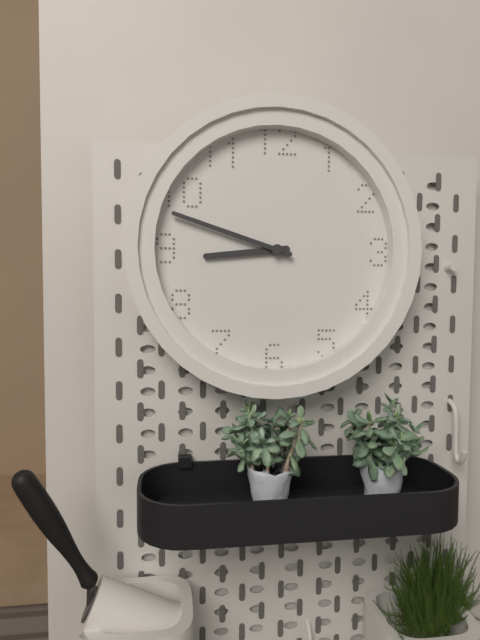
8h48
